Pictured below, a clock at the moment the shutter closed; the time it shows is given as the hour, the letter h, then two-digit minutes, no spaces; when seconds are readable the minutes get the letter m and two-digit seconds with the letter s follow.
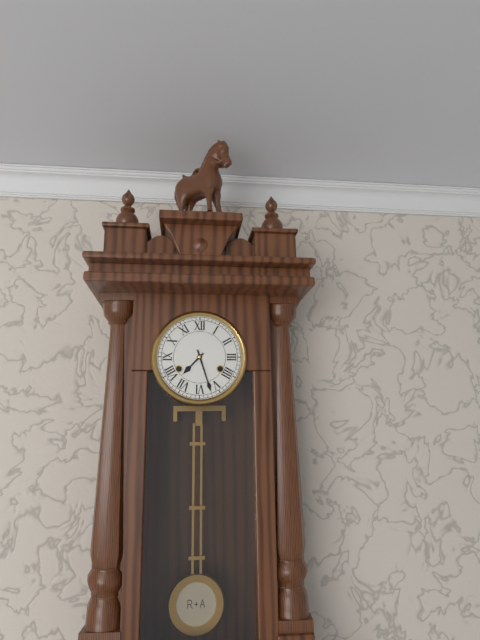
7h27
